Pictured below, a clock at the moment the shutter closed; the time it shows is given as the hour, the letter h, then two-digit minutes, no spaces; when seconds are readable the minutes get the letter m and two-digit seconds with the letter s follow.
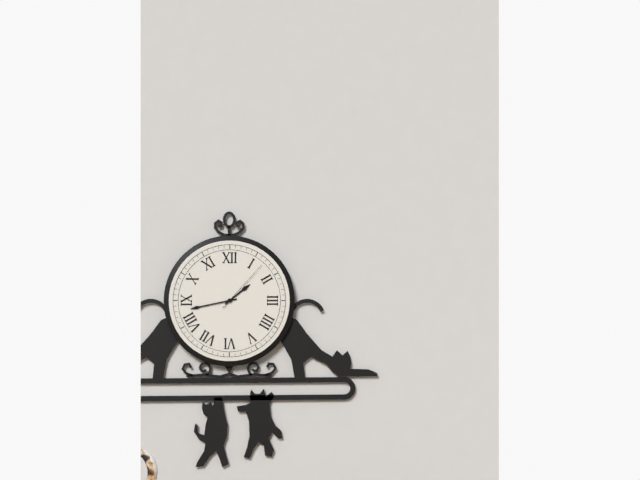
1h43m07s
